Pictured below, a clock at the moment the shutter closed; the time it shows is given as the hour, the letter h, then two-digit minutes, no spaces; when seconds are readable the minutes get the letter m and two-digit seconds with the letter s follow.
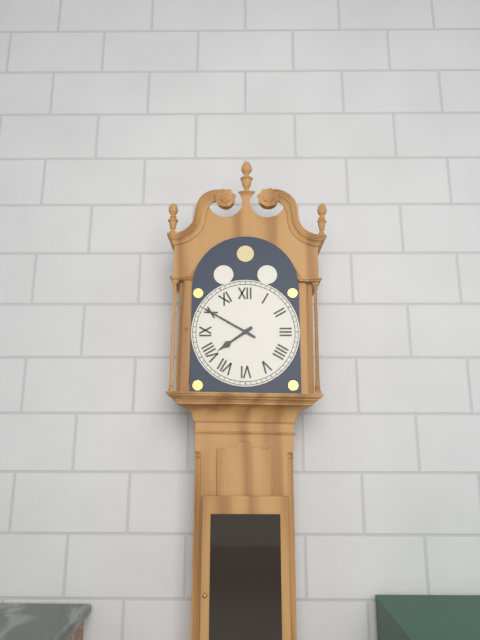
7h50
